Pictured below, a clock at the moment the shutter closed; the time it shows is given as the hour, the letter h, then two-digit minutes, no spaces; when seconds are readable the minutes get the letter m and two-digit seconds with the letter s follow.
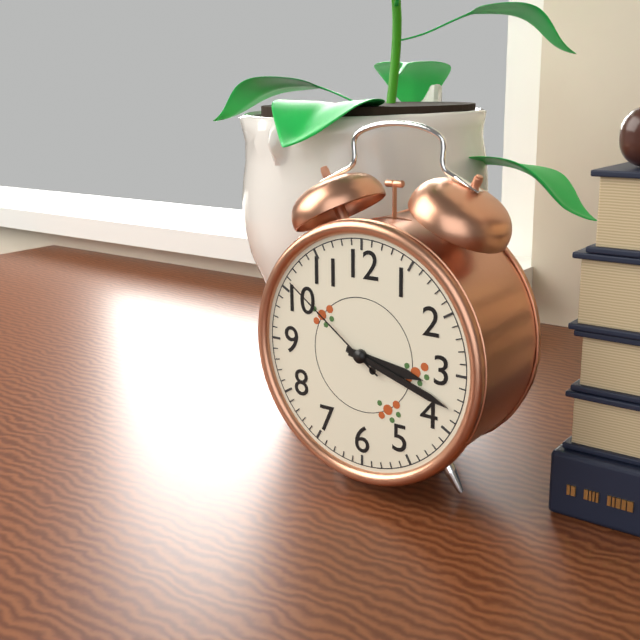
3h18m51s
